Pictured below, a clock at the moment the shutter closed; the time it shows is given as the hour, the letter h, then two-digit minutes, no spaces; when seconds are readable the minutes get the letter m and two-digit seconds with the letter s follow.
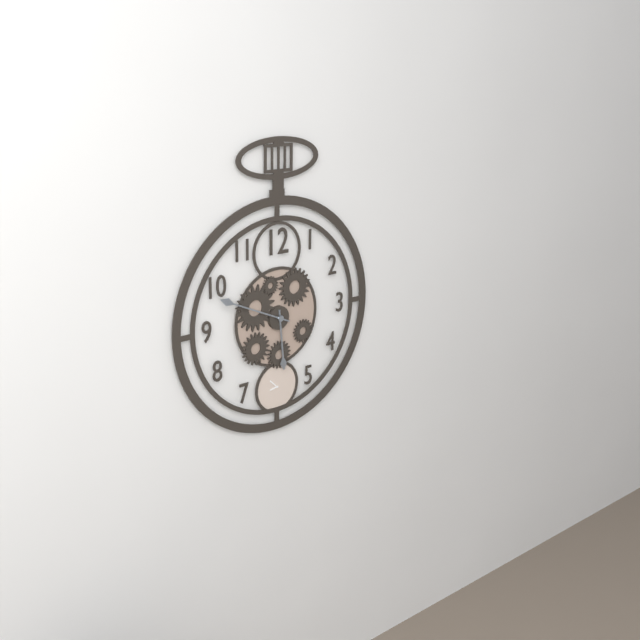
5h49
